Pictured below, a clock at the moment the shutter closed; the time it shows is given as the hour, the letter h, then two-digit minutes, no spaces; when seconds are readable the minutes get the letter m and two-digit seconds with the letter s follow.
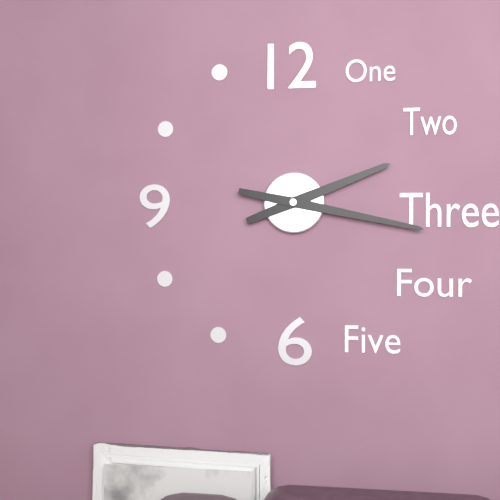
2h17
